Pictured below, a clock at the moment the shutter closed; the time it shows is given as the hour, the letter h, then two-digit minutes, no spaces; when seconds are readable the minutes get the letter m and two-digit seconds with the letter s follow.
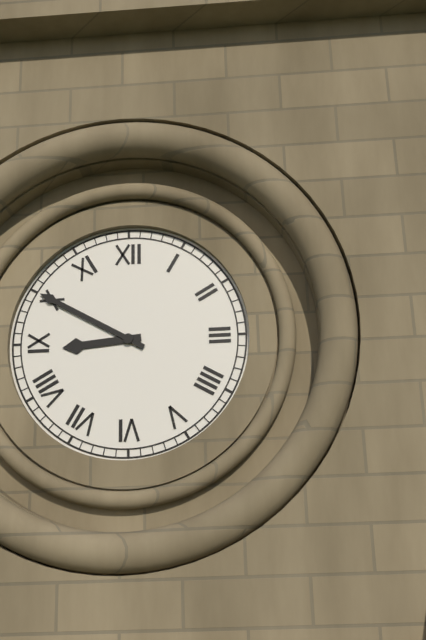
8h50
